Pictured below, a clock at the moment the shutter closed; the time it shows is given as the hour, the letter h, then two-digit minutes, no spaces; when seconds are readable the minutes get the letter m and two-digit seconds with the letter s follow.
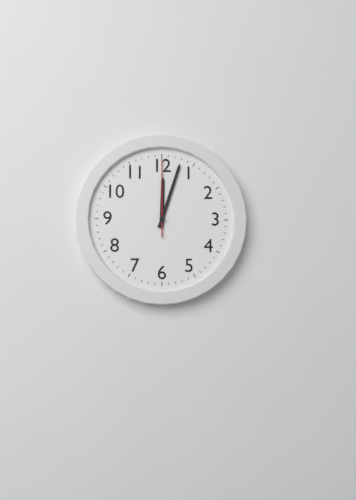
12h03m00s
